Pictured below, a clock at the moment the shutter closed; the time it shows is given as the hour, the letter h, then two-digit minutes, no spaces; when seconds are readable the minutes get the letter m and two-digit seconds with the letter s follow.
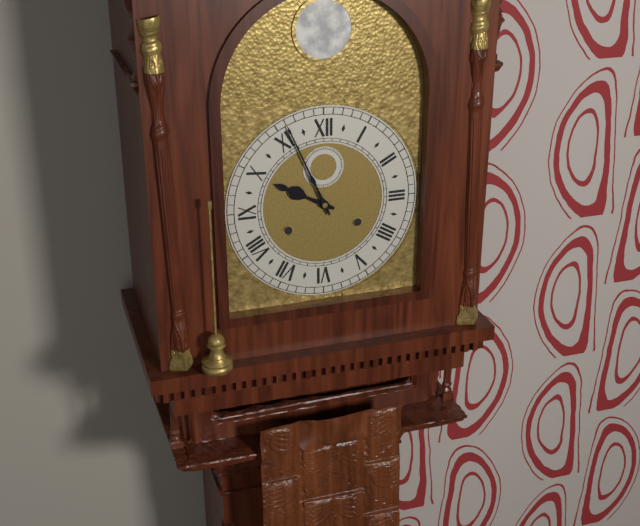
9h56
